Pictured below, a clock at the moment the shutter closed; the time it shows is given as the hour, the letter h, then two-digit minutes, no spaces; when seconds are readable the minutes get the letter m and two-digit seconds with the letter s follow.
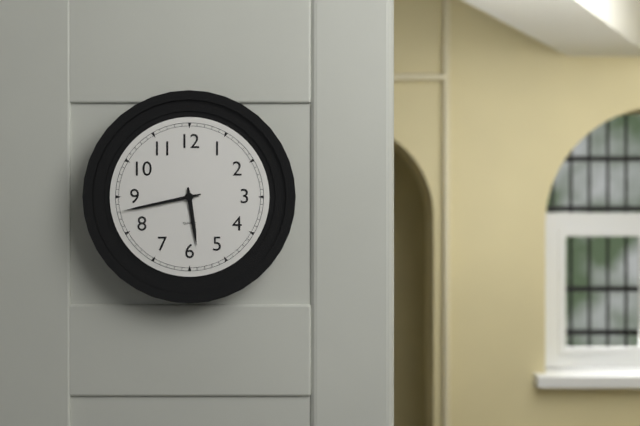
5h43
